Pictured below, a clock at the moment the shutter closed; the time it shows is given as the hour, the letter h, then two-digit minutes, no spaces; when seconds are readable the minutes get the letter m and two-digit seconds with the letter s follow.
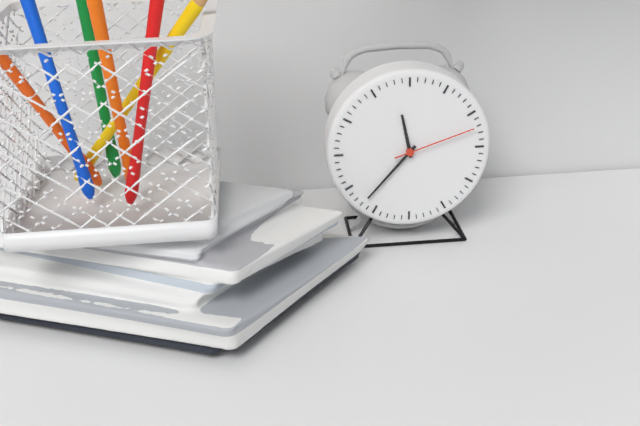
11h37m12s
